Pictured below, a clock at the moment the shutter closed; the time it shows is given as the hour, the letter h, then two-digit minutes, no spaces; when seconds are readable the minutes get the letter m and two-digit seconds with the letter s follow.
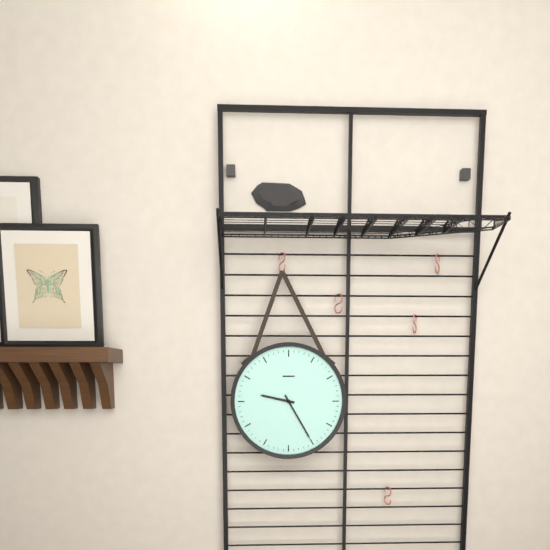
9h25
